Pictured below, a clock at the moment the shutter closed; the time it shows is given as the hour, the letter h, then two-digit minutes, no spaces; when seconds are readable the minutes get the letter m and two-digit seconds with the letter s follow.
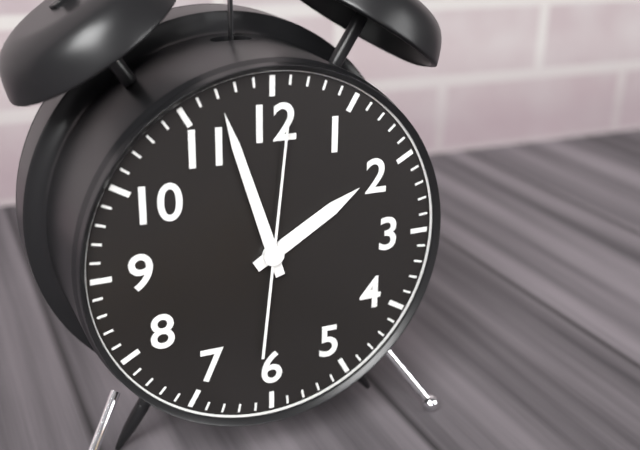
1h57m01s
